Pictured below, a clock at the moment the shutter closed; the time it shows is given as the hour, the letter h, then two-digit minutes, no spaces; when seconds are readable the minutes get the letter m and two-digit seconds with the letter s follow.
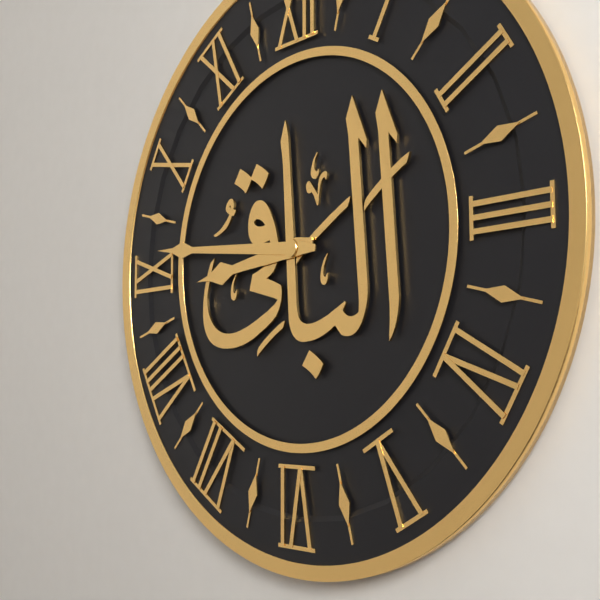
8h46
